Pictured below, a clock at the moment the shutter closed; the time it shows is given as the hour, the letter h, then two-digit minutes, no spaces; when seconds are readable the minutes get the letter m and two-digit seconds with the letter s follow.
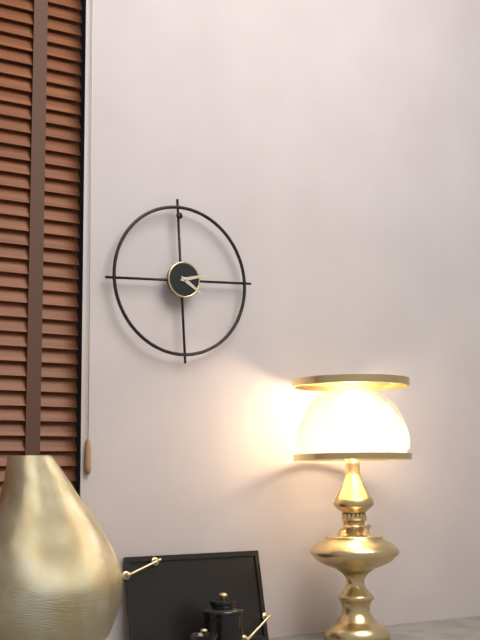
4h13
